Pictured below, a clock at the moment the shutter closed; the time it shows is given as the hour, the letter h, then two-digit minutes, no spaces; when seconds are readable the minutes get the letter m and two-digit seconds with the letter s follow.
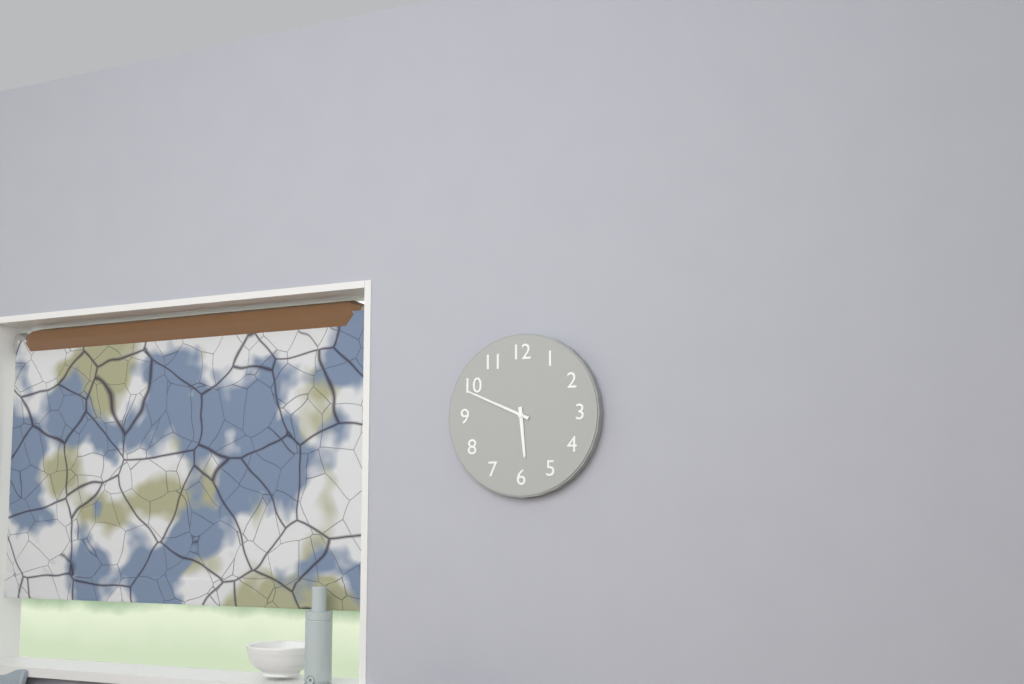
5h49
